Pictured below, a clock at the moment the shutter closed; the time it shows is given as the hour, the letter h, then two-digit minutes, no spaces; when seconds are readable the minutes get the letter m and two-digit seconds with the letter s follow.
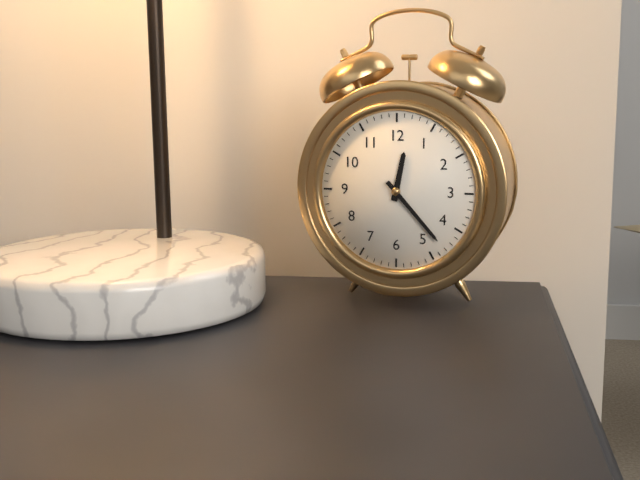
12h23
